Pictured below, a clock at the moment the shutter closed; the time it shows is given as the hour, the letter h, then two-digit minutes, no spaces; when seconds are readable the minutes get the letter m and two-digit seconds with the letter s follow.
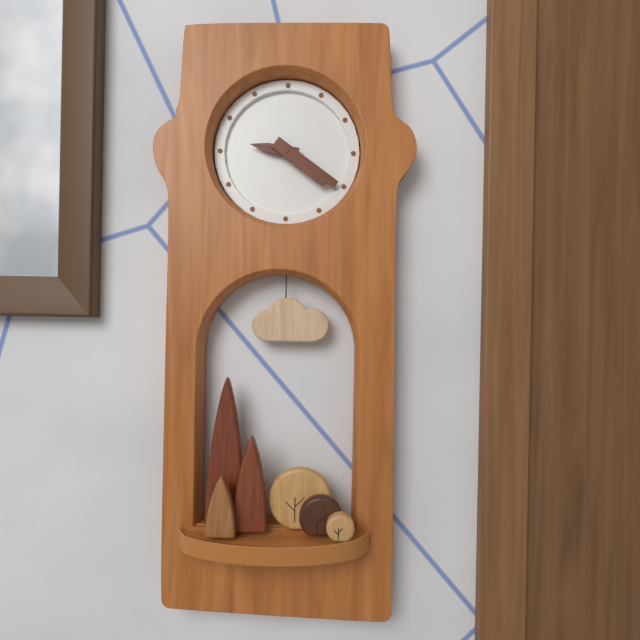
9h21
